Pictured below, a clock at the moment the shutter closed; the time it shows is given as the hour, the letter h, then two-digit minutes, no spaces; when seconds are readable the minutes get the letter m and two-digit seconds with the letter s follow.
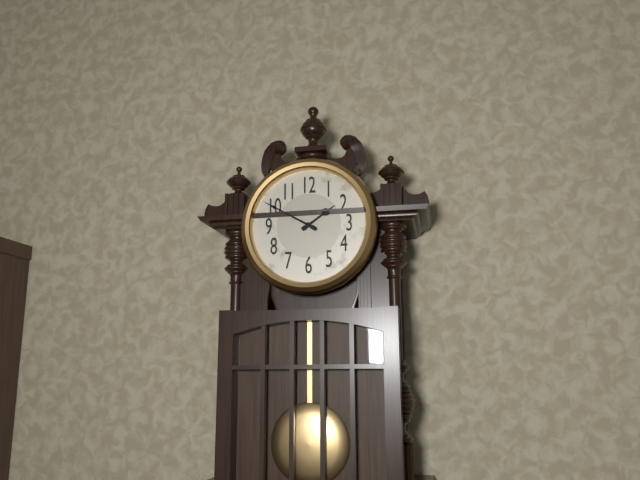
1h50
